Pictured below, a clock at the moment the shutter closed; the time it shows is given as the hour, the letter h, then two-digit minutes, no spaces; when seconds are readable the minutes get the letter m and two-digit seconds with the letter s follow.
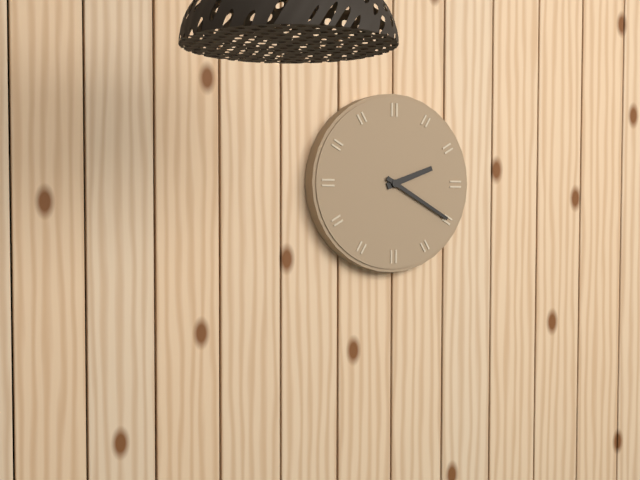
2h20
